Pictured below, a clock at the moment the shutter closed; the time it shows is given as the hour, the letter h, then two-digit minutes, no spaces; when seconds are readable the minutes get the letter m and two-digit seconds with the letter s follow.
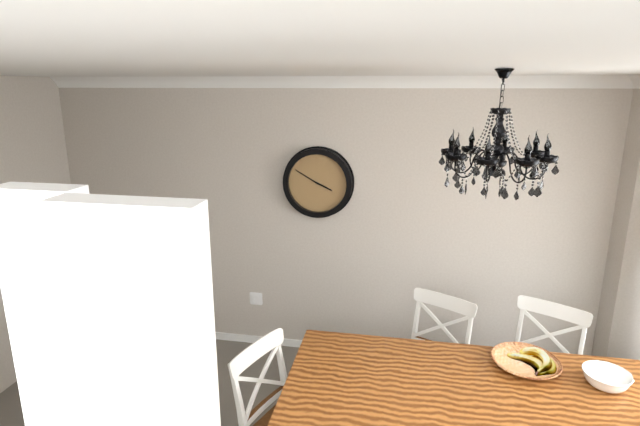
3h50
